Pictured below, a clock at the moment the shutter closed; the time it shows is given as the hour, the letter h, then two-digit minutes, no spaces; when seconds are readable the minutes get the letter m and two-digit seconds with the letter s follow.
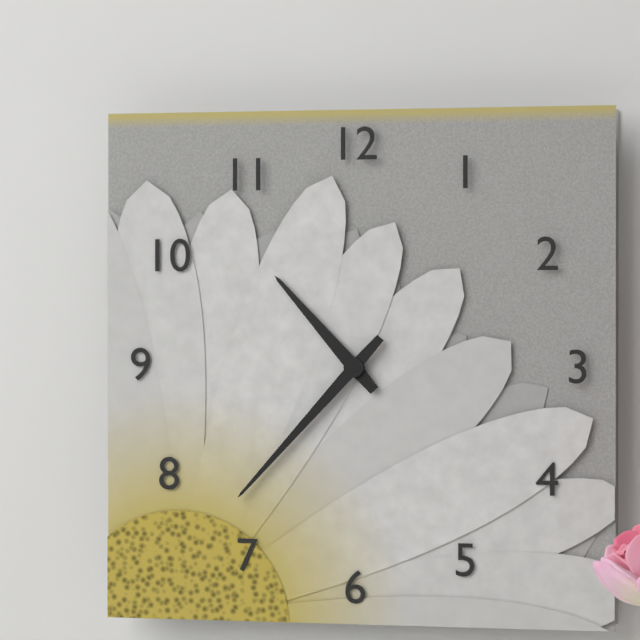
10h37
